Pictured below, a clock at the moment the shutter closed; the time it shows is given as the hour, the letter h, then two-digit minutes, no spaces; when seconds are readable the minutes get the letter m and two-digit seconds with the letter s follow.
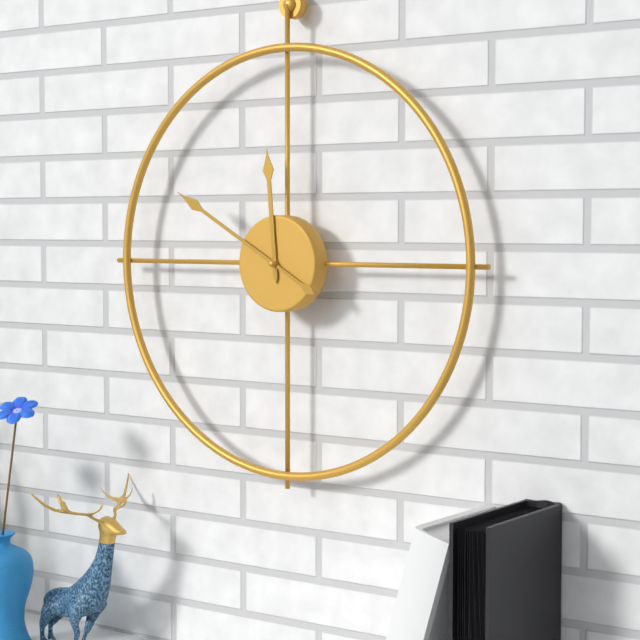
11h50
